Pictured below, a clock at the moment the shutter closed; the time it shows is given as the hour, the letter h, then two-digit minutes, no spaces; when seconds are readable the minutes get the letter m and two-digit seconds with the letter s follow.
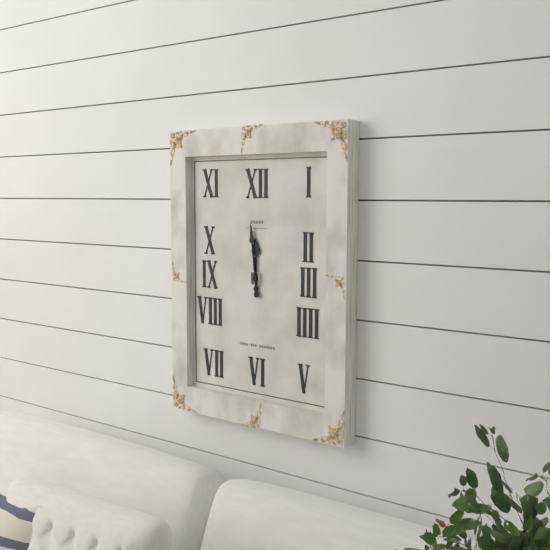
11h59
